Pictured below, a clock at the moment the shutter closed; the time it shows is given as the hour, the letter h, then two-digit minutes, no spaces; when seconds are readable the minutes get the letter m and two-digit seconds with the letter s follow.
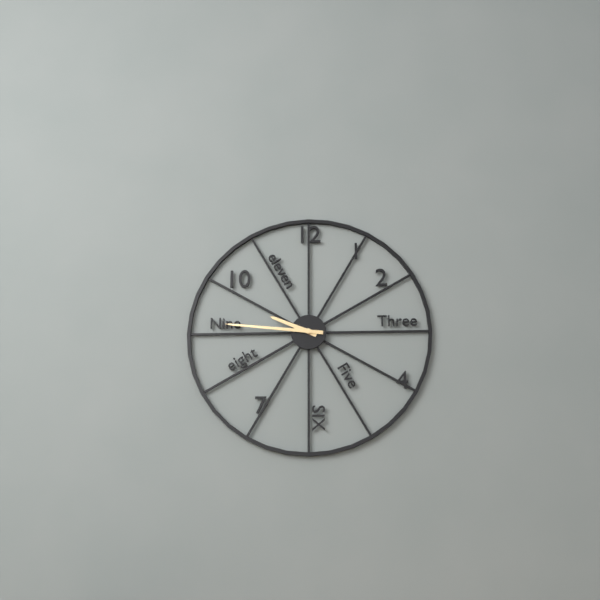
9h46
